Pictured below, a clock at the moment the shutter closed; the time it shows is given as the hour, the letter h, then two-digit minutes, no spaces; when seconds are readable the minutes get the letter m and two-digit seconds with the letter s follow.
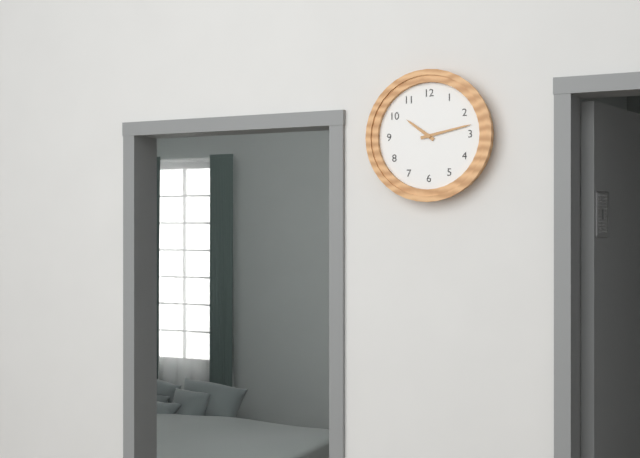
10h13
